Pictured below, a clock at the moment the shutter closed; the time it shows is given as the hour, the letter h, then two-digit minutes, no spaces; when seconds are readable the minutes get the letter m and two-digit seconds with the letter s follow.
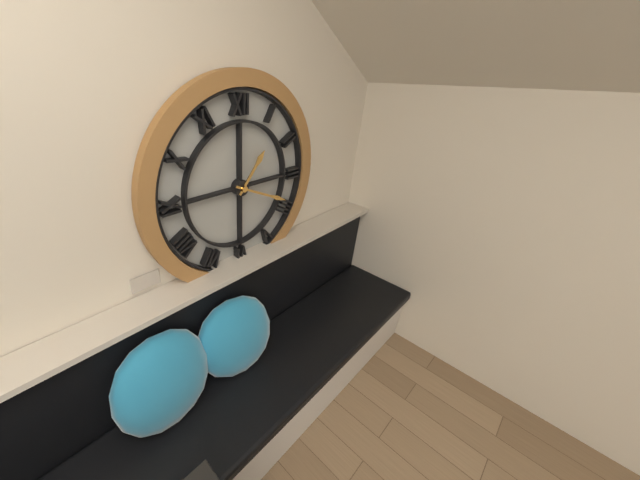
1h19
